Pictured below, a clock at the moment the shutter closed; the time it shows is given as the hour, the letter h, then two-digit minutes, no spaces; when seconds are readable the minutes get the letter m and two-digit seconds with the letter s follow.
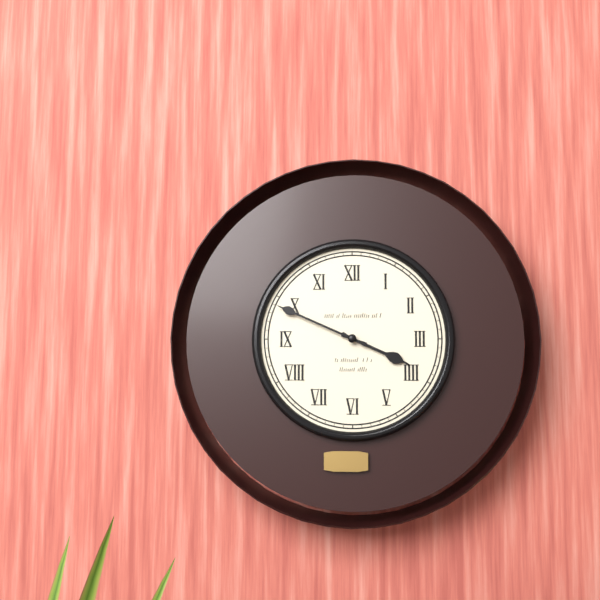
3h49
